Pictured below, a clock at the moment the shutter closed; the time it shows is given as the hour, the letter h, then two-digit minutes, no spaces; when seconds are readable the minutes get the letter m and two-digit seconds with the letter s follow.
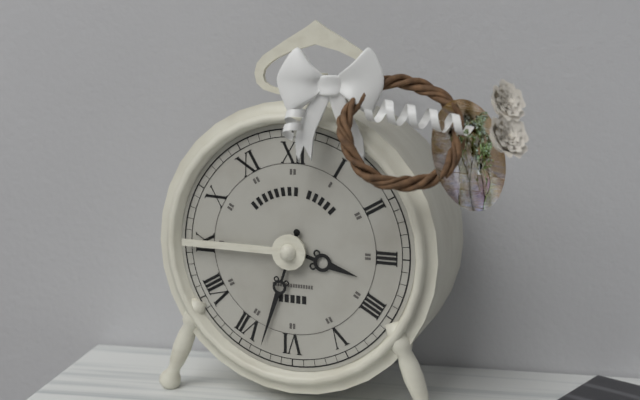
3h33
